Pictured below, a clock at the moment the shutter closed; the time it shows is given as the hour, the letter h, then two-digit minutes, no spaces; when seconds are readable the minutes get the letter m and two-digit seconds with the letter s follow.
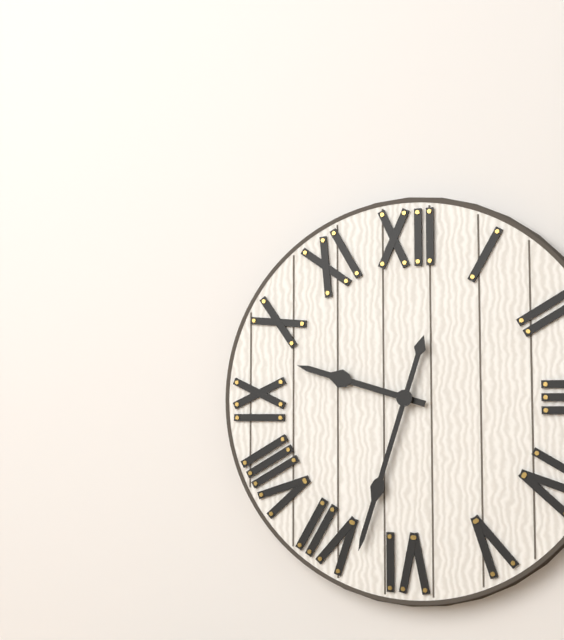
9h33
